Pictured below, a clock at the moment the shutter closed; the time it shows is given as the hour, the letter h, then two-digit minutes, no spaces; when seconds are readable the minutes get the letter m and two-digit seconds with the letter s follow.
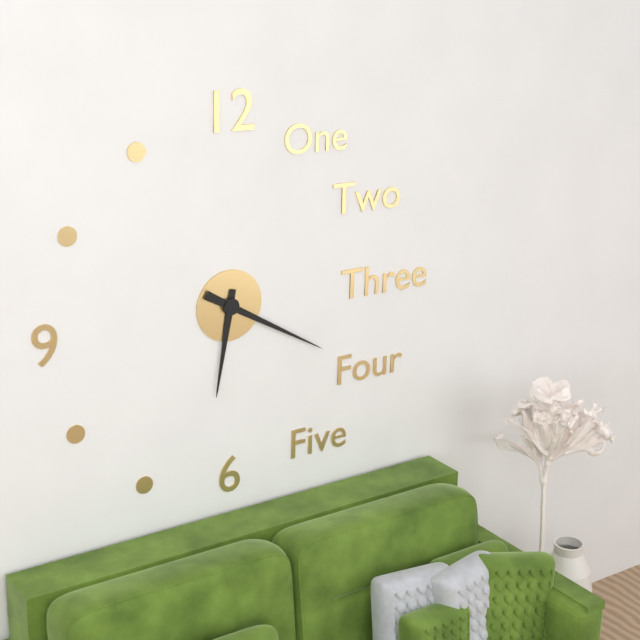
6h20
